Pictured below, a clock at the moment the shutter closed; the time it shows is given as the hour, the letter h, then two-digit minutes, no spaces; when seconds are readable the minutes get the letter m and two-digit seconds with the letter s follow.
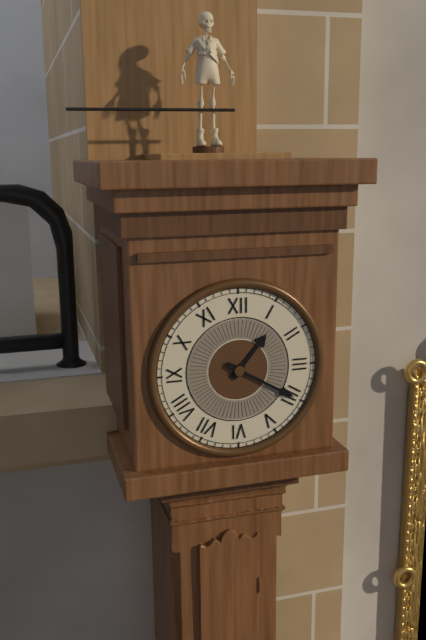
1h20
